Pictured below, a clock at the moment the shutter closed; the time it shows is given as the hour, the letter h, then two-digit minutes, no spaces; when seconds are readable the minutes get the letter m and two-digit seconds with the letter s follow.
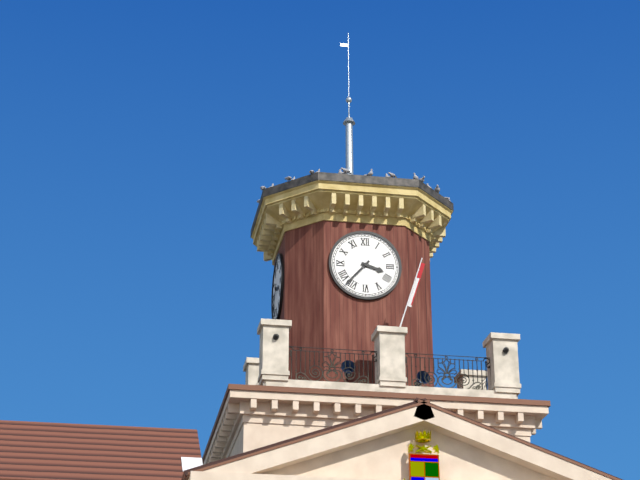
3h37
